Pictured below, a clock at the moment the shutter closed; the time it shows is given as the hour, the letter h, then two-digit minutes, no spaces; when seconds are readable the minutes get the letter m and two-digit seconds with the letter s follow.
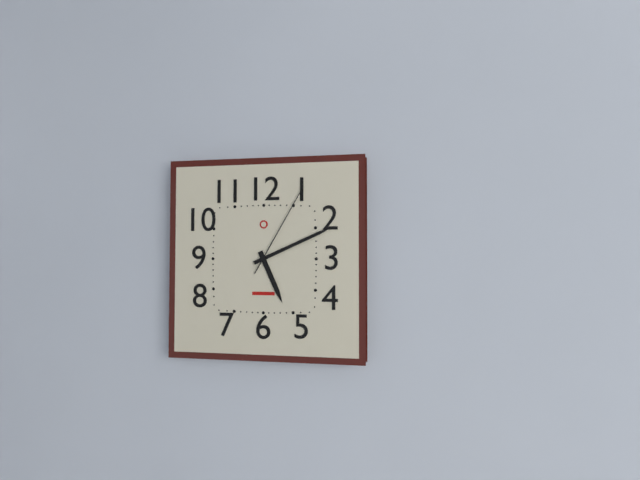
5h11m05s
